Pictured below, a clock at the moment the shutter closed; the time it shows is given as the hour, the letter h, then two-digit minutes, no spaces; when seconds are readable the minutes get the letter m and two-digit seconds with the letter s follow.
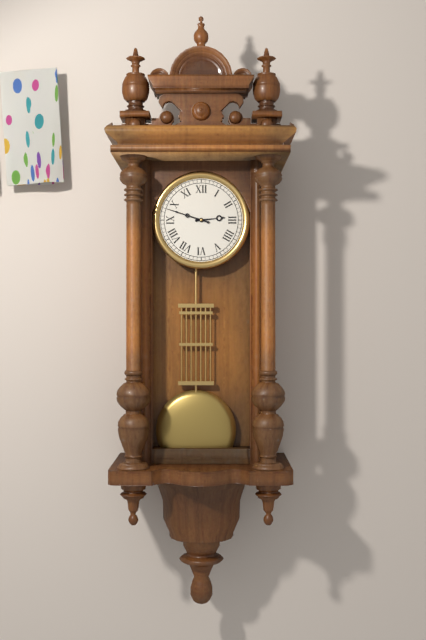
2h48
